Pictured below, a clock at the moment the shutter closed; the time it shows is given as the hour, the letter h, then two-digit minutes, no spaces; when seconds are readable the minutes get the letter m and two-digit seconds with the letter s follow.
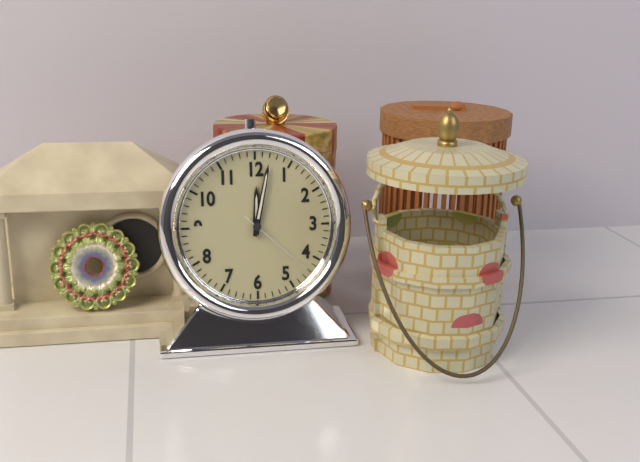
12h02m22s
